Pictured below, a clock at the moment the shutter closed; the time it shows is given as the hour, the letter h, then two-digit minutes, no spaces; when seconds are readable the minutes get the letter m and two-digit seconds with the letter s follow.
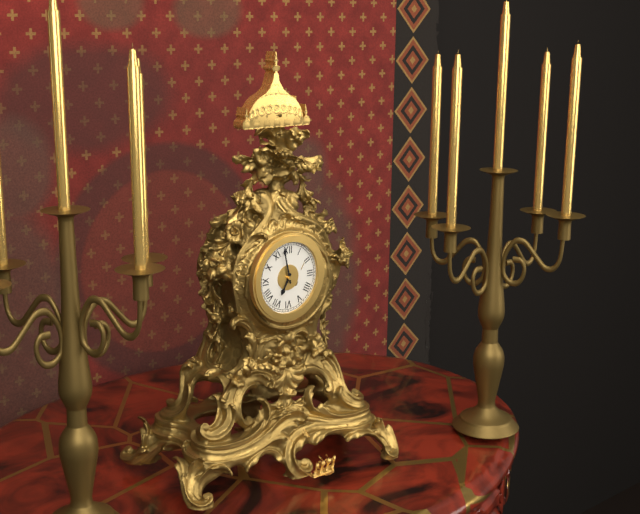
6h58
